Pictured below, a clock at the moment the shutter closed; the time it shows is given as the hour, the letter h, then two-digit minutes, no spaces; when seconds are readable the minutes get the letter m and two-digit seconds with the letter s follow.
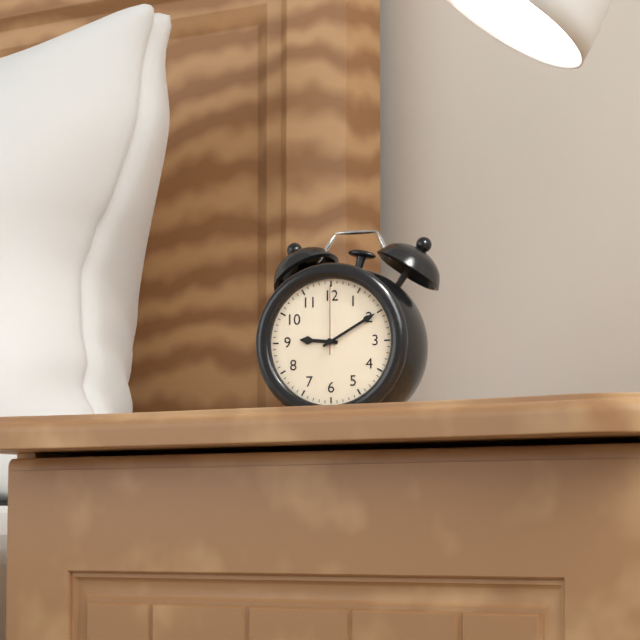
9h10m00s
